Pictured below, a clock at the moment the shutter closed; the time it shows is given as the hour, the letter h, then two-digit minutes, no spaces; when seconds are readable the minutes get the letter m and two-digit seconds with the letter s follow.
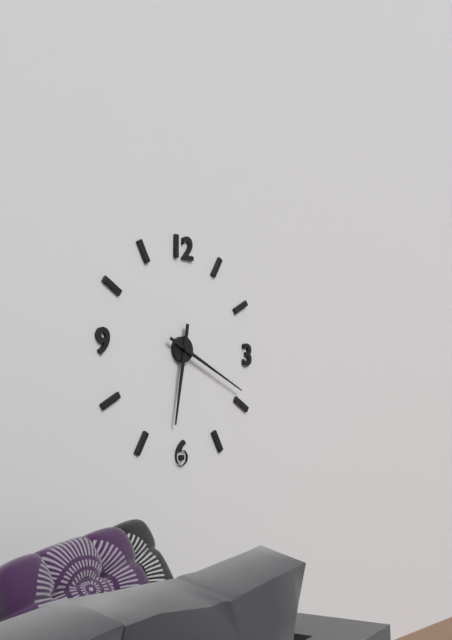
6h19
